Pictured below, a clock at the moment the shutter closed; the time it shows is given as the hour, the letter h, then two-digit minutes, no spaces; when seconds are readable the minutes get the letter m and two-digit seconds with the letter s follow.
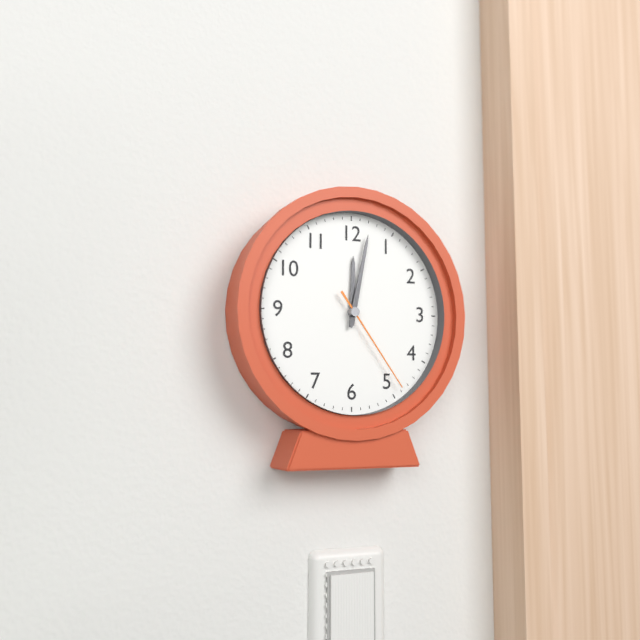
12h02m24s
